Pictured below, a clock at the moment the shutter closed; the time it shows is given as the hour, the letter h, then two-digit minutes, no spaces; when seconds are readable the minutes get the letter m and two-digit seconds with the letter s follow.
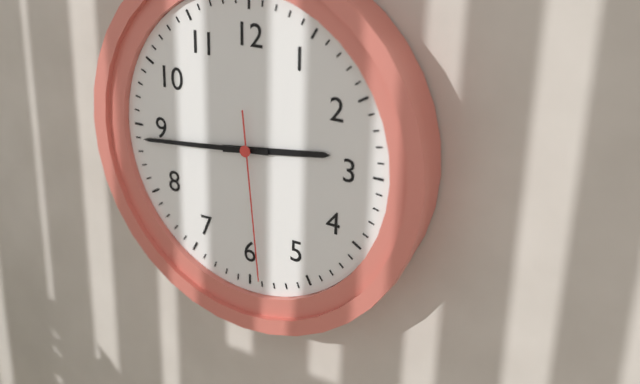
2h44m29s
